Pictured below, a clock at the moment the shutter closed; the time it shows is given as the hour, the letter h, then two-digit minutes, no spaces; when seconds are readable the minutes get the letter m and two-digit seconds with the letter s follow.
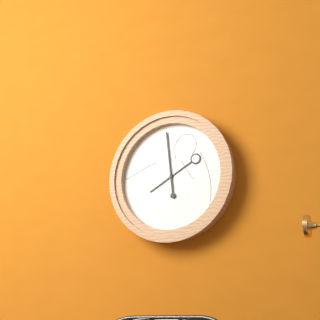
7h59
